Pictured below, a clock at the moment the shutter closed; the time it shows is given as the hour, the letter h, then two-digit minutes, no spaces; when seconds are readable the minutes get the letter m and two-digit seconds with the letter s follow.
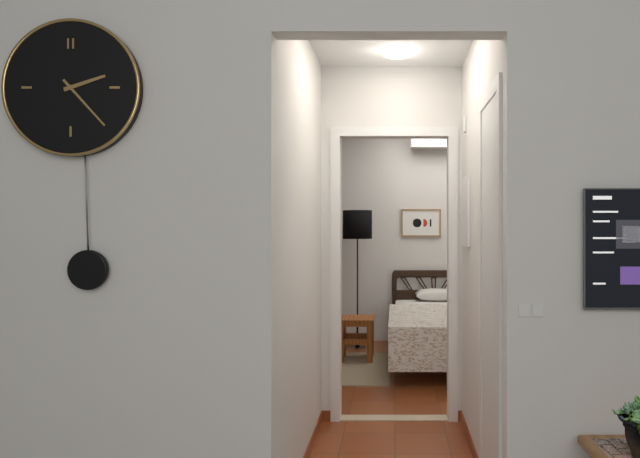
2h23
